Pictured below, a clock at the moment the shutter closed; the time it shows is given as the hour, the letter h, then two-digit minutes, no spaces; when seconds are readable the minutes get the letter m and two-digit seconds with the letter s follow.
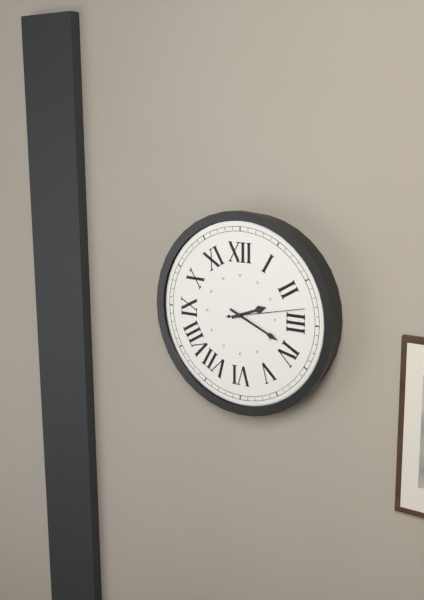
2h19m13s
